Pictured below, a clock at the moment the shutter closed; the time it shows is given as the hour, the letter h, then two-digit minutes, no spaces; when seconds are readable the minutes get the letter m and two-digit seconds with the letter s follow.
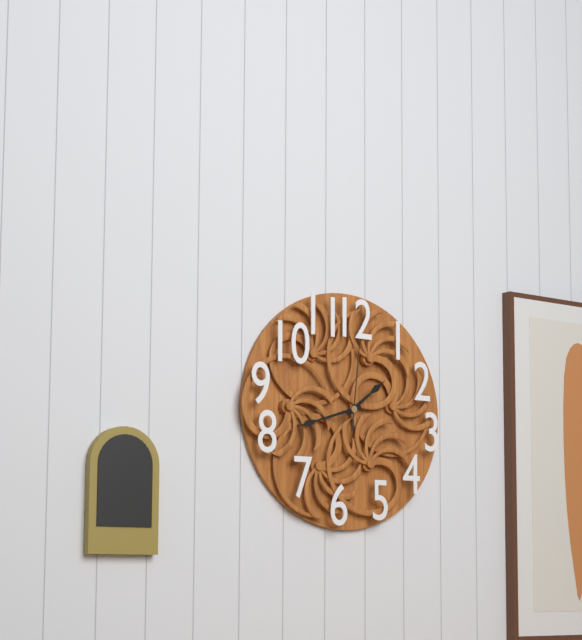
1h42m01s
